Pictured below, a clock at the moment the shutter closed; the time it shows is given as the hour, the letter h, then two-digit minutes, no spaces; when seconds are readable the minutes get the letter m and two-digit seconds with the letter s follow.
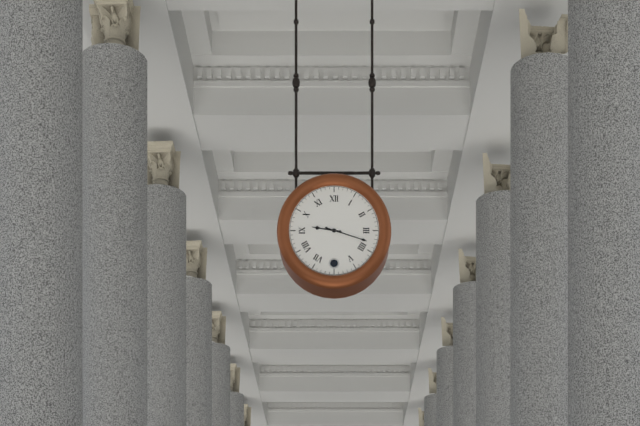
9h18
